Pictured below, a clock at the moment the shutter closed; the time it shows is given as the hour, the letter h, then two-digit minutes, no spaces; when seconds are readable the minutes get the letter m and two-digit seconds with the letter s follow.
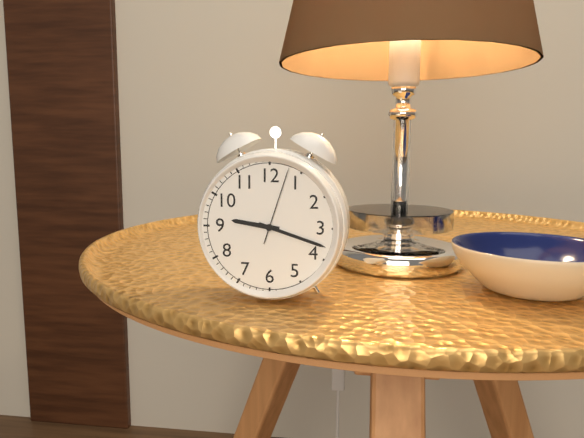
9h18m03s
